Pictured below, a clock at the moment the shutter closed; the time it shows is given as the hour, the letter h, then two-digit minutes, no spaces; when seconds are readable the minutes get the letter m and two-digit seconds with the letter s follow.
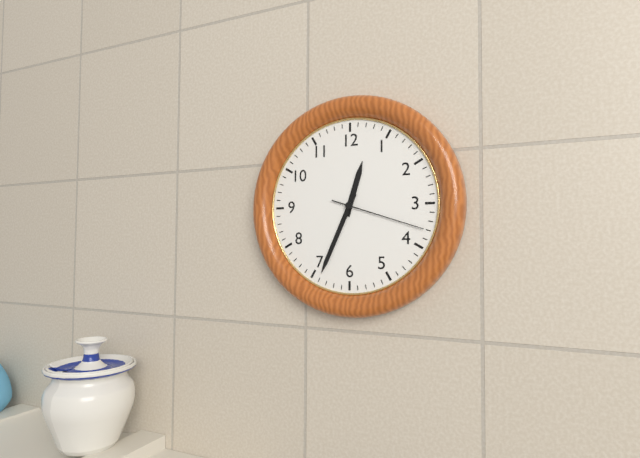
12h34m18s
